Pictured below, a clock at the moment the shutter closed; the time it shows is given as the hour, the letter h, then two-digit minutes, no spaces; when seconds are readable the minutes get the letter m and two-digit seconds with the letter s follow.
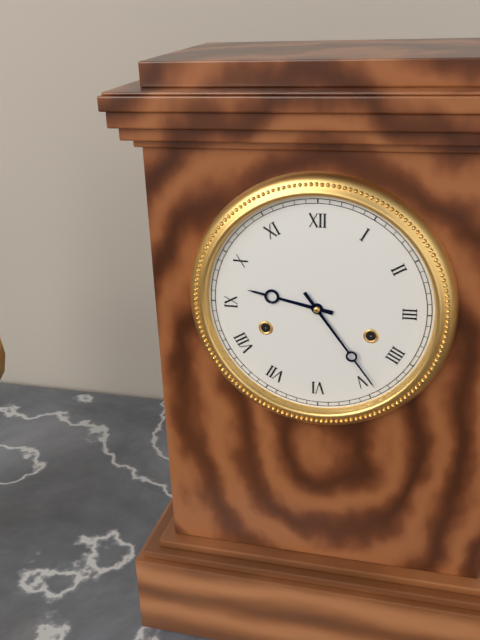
9h24
